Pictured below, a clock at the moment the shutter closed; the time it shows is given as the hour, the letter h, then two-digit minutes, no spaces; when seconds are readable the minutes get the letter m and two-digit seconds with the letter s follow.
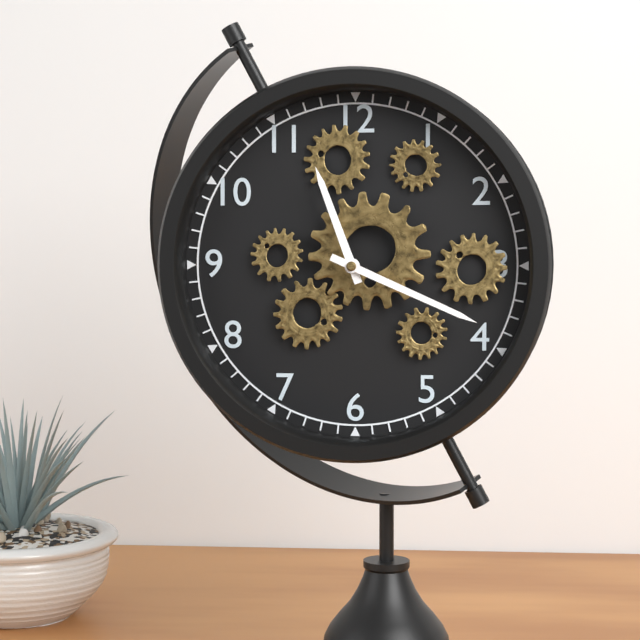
11h19
